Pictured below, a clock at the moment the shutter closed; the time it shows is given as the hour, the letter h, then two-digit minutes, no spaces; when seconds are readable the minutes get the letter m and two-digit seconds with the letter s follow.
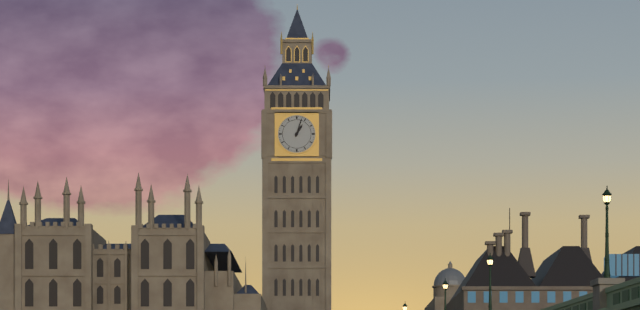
1h03
